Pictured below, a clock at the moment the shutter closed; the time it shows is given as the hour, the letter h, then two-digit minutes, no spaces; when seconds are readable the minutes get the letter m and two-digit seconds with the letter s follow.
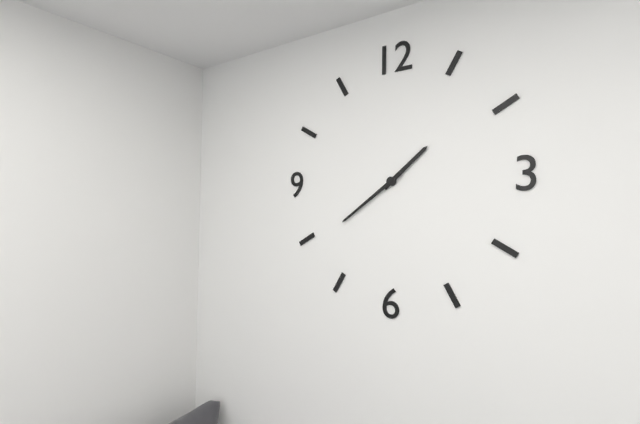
1h39
